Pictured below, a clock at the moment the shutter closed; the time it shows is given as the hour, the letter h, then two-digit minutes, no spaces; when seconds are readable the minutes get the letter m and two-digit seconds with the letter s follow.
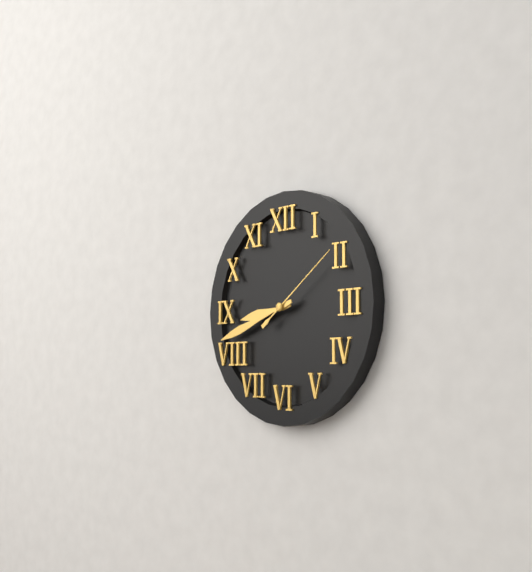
8h42m09s
